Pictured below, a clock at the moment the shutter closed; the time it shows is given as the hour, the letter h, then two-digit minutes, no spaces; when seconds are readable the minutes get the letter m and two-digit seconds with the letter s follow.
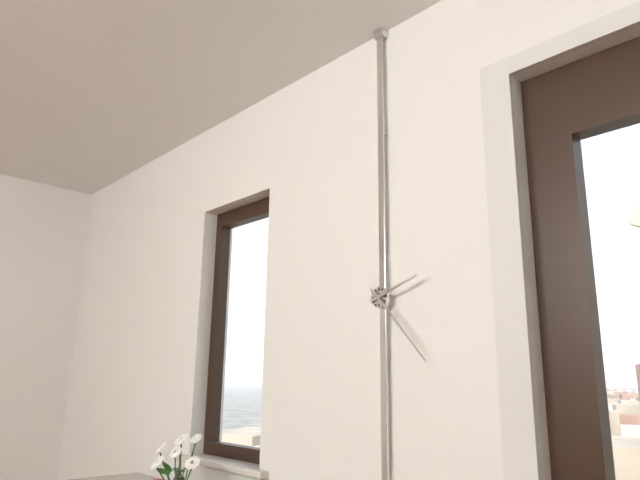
2h23
